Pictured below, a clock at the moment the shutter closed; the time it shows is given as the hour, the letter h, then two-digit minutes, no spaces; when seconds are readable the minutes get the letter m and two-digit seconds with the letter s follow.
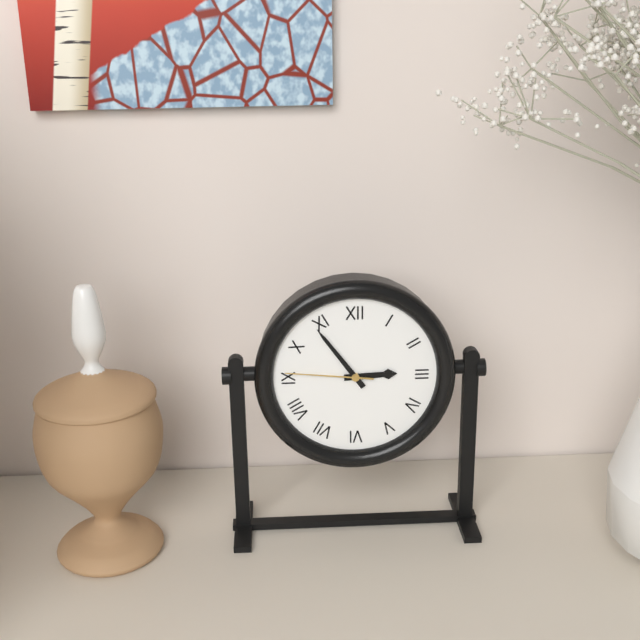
2h54m46s
